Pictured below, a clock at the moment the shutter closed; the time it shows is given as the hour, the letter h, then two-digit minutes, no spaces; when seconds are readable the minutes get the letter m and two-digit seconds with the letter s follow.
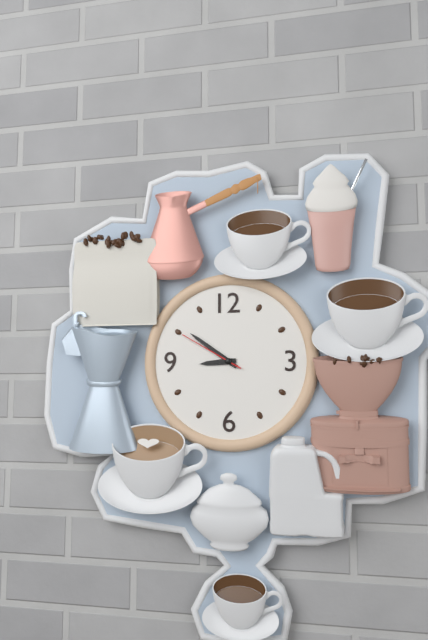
8h51m50s
